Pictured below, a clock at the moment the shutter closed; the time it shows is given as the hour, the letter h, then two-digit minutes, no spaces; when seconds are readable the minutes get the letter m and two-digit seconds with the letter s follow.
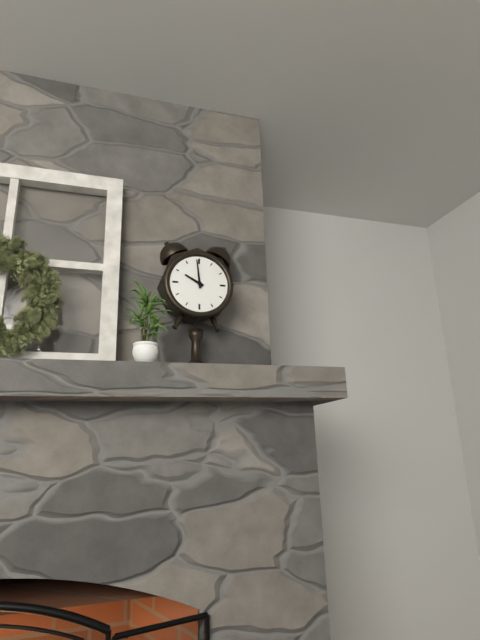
9h59
